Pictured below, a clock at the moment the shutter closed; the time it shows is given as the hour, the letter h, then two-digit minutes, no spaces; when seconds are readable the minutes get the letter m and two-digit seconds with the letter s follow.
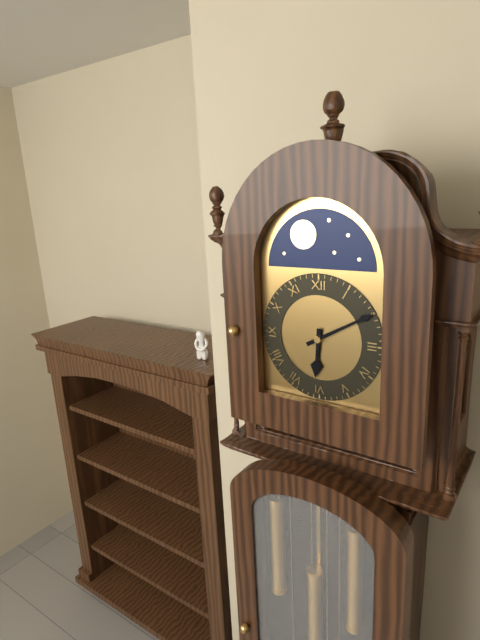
6h10
